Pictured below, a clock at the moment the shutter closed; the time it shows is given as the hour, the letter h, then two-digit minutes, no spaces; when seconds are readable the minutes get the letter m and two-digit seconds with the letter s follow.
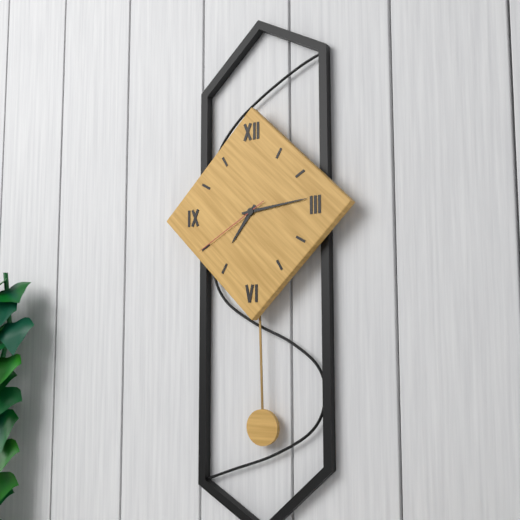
7h14m40s
